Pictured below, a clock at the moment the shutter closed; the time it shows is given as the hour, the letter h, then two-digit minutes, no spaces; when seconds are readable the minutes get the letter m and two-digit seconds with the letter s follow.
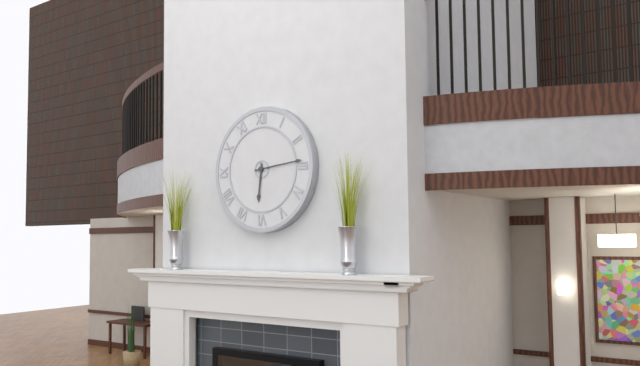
6h14
